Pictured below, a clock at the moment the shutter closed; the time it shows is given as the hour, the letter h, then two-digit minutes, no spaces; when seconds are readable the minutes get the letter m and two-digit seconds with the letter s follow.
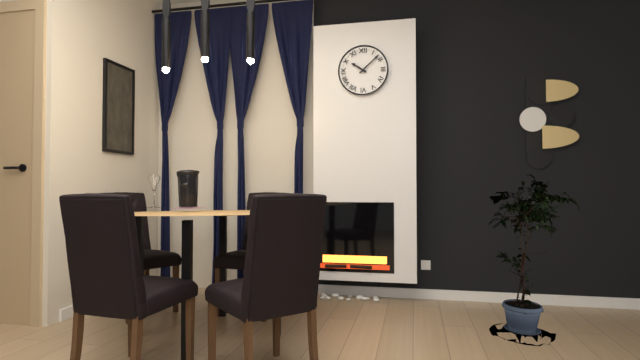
10h08
